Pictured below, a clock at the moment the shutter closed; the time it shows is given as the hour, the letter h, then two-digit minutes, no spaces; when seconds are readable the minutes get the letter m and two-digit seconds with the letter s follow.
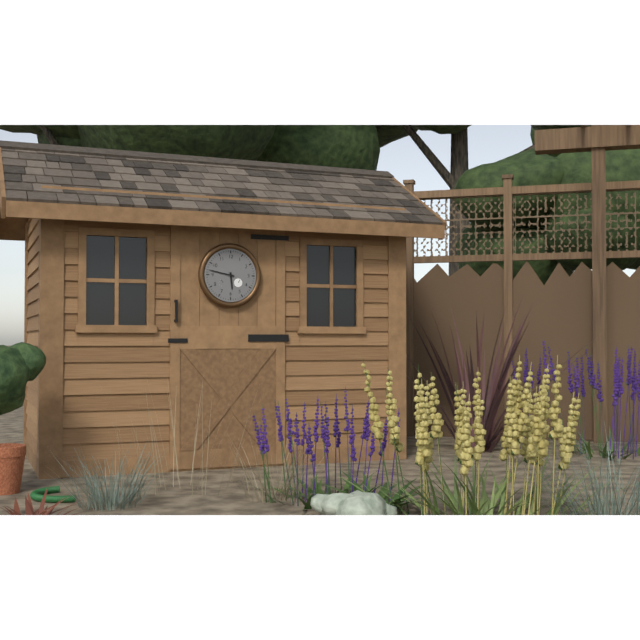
5h47
